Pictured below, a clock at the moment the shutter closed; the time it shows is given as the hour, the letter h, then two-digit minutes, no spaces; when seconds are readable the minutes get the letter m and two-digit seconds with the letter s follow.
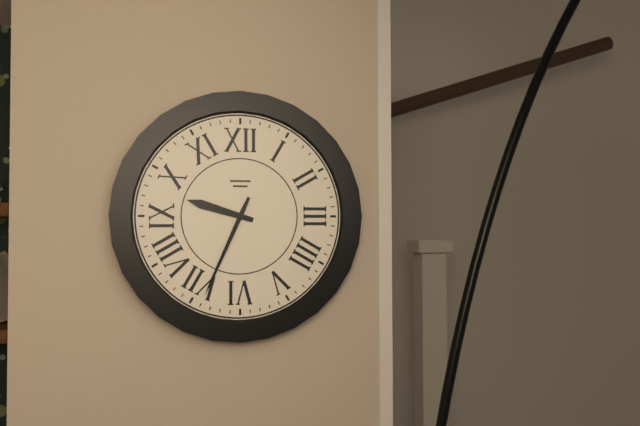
9h34
